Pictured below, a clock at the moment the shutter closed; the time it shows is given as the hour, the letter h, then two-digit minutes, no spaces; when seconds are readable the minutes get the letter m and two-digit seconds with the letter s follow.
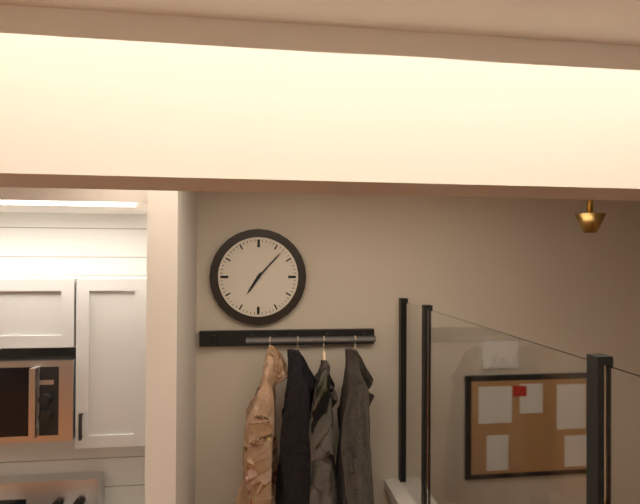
7h07
